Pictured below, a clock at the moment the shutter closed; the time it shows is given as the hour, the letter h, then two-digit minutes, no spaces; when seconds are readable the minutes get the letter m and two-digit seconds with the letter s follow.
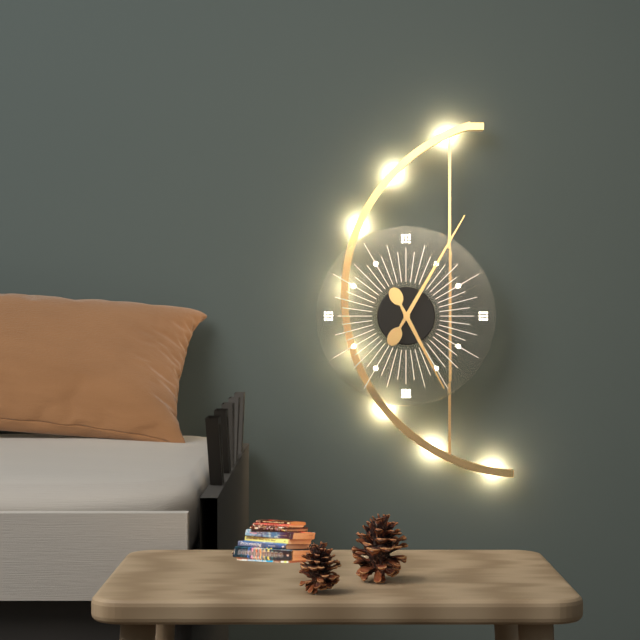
5h05
